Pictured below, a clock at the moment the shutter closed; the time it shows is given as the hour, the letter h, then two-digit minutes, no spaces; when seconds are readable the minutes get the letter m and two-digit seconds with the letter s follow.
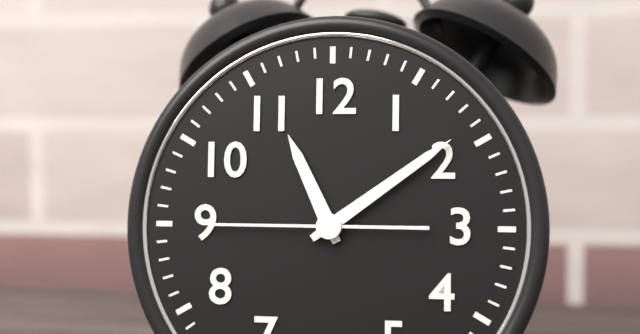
11h09m45s
